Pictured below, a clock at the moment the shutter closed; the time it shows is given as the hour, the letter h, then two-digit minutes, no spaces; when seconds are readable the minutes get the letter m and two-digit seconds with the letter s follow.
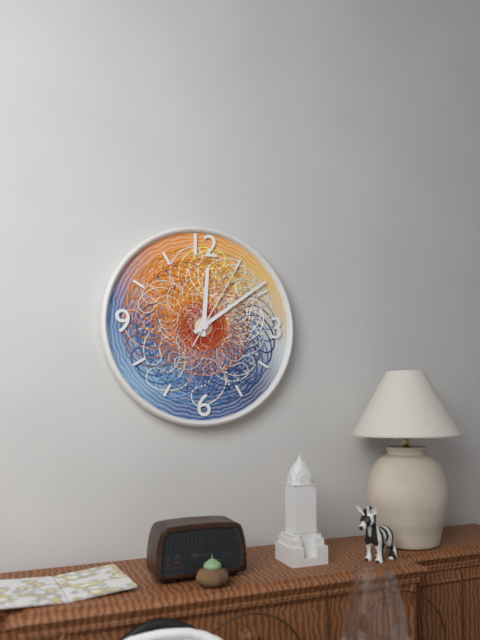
12h09m05s
